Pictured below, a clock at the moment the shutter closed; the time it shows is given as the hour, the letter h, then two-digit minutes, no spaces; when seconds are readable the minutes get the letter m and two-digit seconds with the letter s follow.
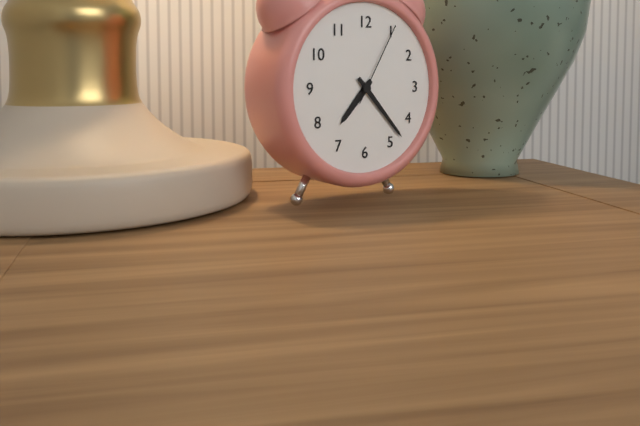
7h23m05s
